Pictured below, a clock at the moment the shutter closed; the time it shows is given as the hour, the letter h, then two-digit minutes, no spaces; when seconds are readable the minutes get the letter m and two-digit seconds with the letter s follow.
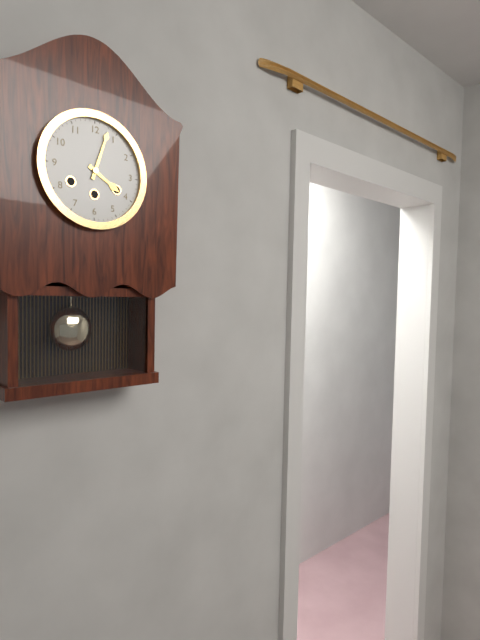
4h03
